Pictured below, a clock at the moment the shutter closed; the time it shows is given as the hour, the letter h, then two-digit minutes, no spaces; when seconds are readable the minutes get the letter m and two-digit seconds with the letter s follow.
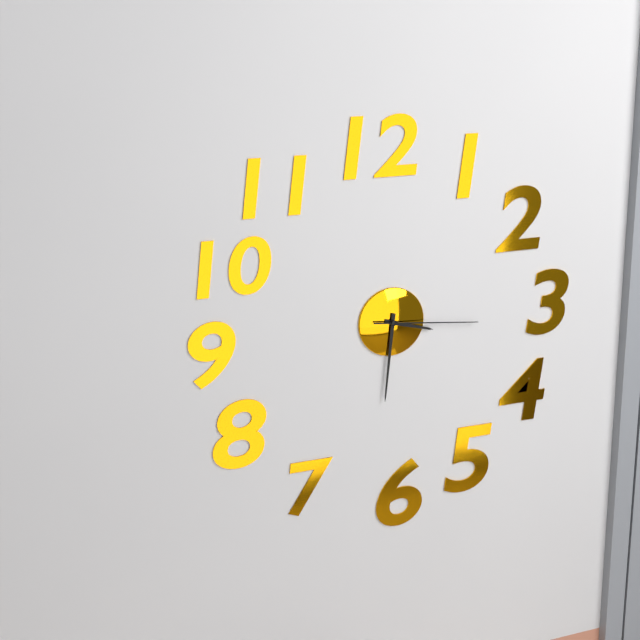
3h31m16s
